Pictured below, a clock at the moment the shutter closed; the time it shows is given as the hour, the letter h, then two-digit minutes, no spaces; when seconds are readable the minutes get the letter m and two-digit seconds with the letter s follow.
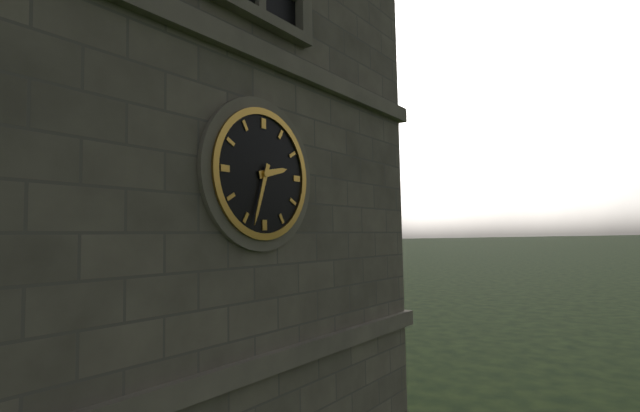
2h33
